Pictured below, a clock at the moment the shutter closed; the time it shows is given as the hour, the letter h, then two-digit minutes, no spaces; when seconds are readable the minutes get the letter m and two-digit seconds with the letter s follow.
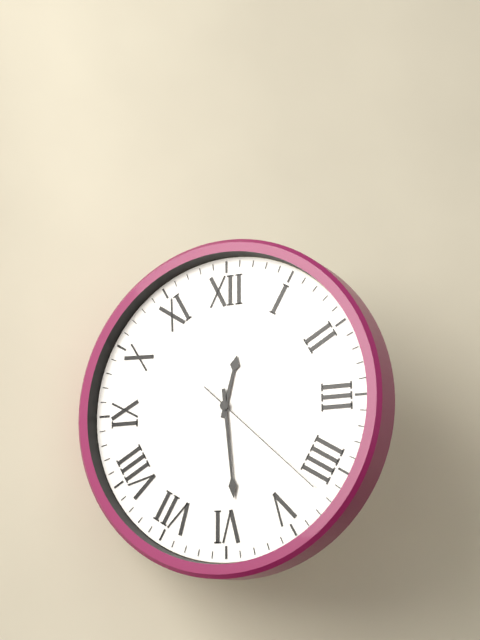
12h29m22s
